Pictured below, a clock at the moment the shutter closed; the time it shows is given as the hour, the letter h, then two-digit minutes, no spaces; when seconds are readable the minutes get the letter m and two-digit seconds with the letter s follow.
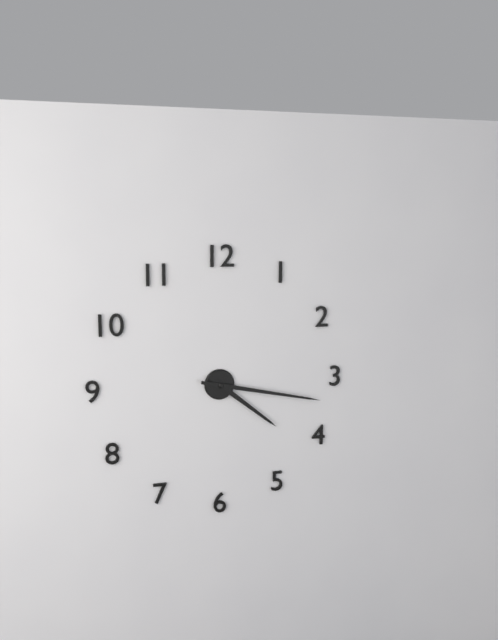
4h17
